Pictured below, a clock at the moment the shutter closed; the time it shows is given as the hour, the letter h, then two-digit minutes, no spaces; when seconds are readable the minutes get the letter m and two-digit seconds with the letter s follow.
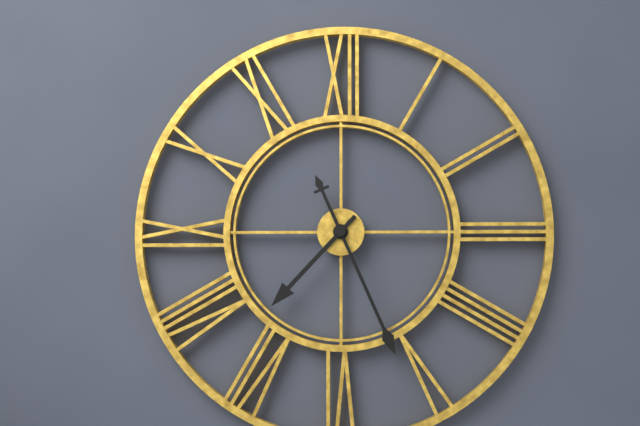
7h26
